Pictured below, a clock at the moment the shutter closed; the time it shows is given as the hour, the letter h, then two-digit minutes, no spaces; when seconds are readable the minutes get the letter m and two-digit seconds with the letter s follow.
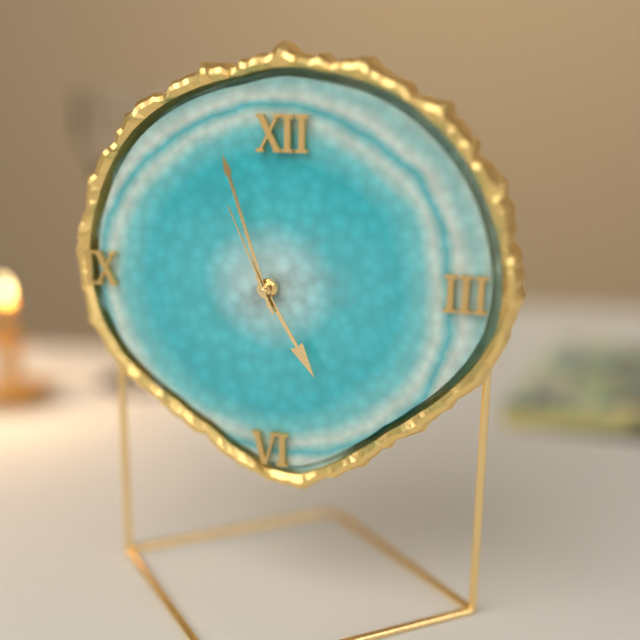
4h57m56s
